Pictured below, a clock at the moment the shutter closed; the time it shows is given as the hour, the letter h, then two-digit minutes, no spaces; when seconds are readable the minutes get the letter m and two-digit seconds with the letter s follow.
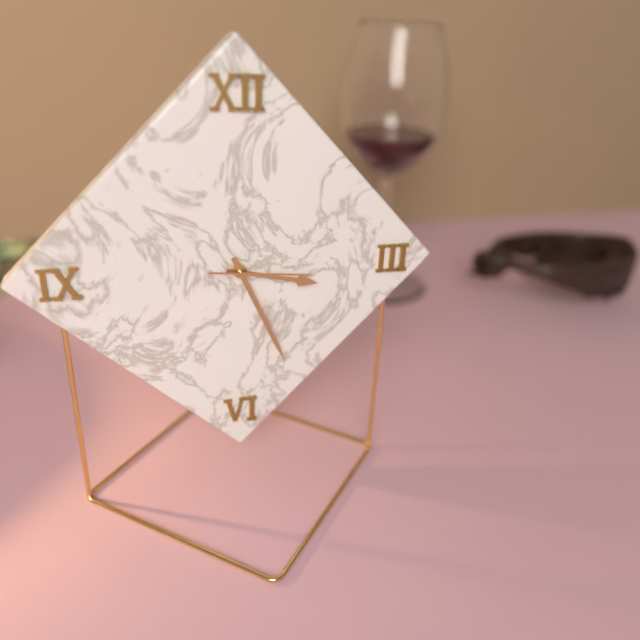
3h26m16s
